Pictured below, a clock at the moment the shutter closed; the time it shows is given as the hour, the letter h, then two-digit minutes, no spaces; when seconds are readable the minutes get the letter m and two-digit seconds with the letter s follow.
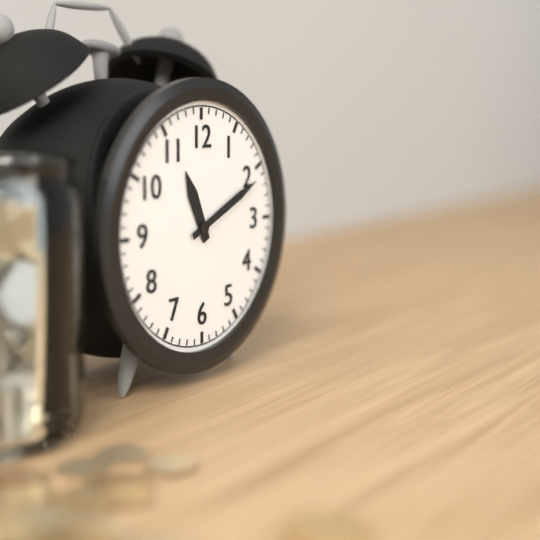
11h11
